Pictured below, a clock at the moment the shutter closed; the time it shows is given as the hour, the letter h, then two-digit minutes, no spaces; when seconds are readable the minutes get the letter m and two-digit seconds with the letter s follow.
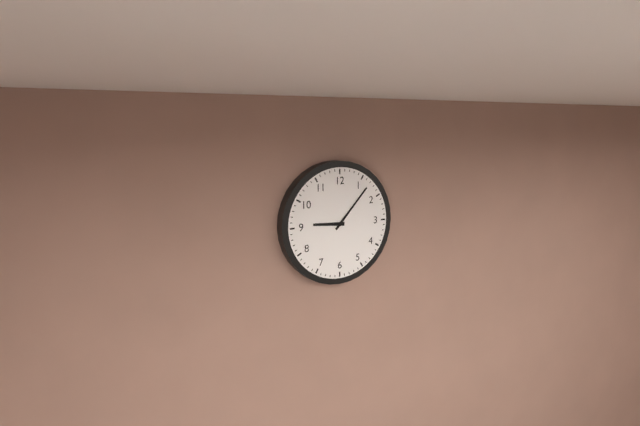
9h07
